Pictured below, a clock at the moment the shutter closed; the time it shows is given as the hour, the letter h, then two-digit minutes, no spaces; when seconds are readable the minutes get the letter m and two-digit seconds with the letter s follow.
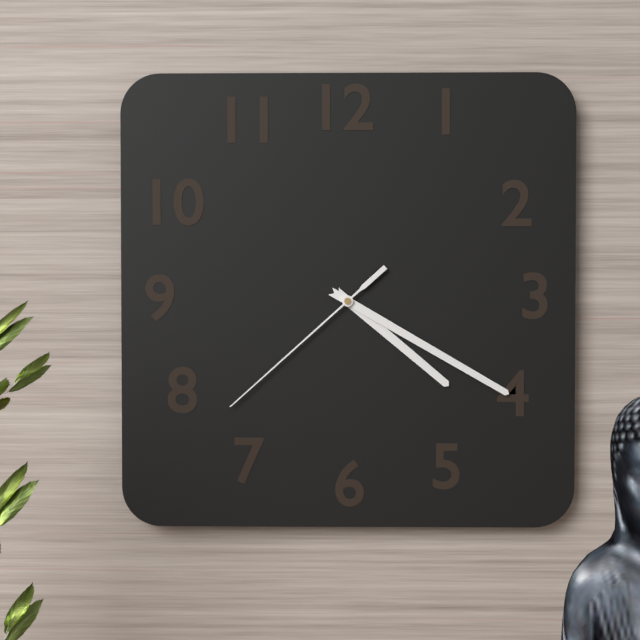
4h20m38s
